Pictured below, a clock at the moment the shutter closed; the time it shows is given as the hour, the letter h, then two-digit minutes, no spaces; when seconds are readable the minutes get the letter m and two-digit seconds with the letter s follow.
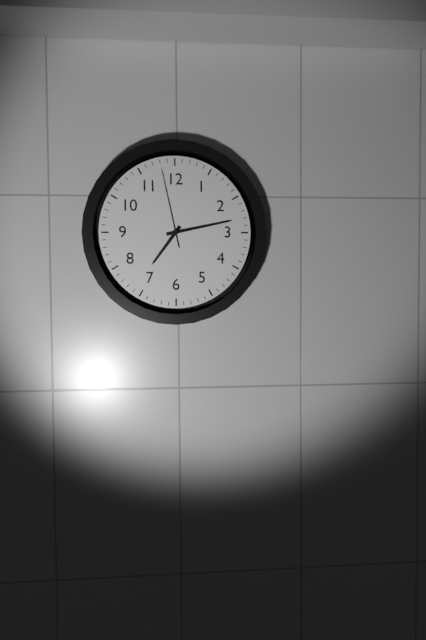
7h13m58s
